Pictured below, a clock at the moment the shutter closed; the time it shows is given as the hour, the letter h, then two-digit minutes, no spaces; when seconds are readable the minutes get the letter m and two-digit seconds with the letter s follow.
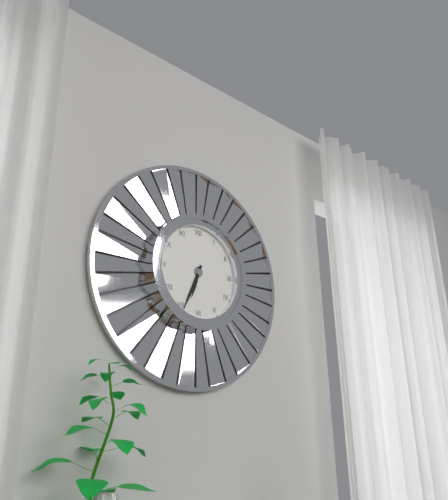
6h34
